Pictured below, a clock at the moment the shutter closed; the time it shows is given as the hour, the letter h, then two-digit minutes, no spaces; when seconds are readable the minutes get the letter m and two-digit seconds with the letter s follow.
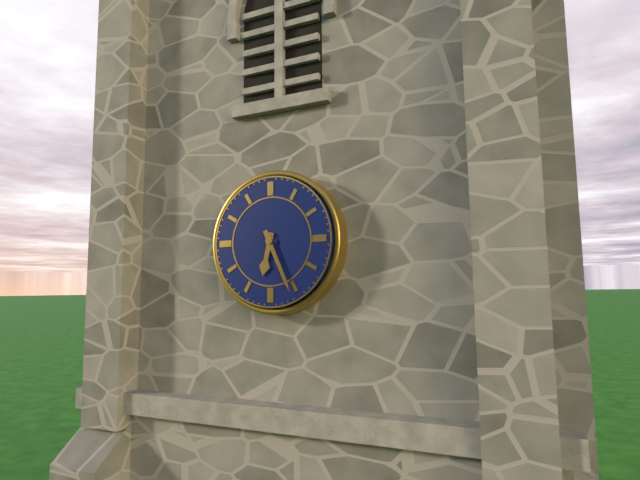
6h26
